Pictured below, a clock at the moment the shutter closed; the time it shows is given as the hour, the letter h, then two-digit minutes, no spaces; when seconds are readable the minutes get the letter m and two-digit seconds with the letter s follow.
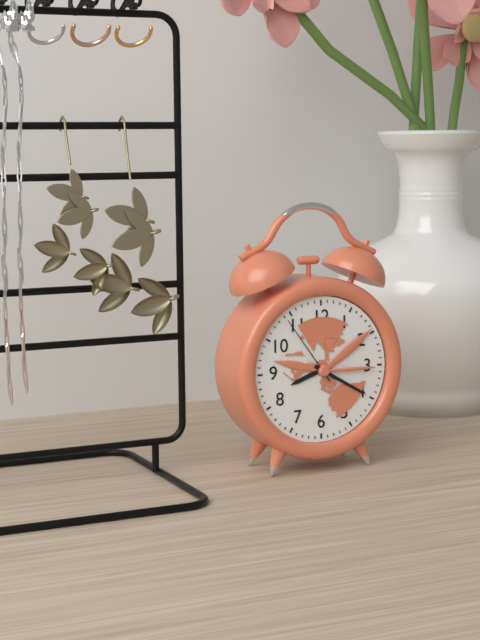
8h20m54s
